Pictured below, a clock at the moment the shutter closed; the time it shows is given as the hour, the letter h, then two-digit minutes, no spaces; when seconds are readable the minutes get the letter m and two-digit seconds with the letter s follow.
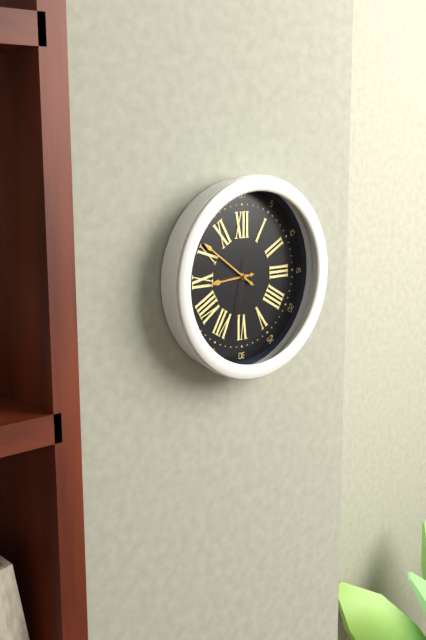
8h51m32s
